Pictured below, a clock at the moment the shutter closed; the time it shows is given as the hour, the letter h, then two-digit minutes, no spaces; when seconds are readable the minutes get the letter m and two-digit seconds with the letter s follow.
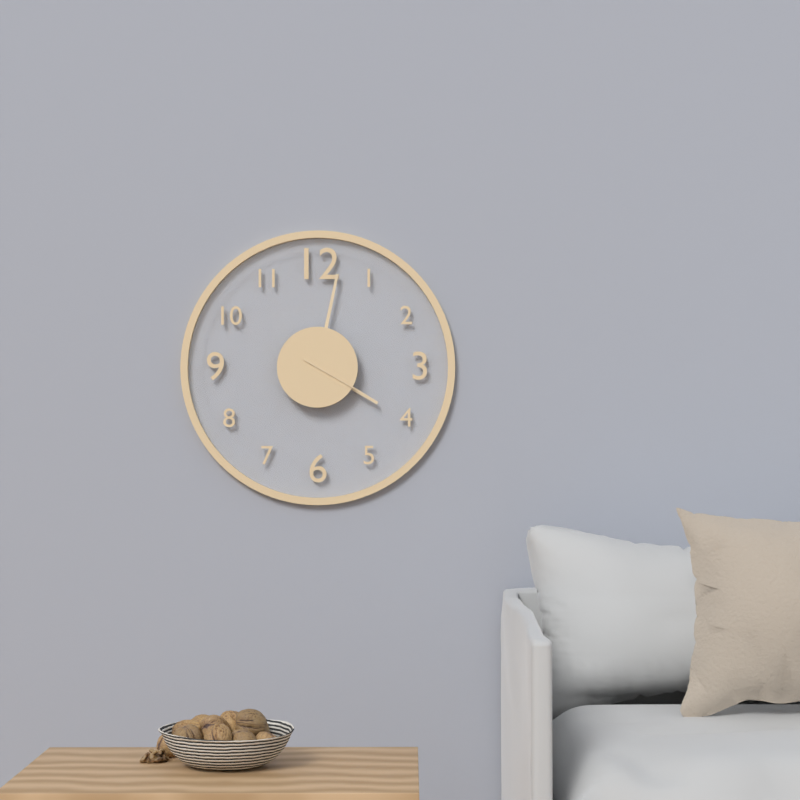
4h02m20s
